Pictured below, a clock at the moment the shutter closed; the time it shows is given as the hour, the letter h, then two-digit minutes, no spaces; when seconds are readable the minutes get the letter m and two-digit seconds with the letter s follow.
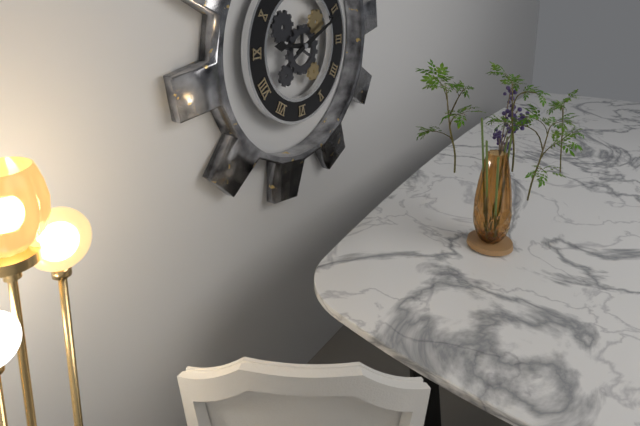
9h11
